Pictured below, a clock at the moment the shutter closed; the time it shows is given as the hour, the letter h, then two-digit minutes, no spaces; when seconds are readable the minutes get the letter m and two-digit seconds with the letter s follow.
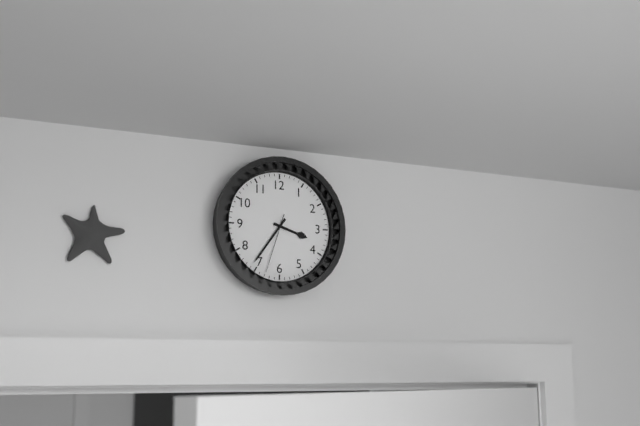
3h36m33s
